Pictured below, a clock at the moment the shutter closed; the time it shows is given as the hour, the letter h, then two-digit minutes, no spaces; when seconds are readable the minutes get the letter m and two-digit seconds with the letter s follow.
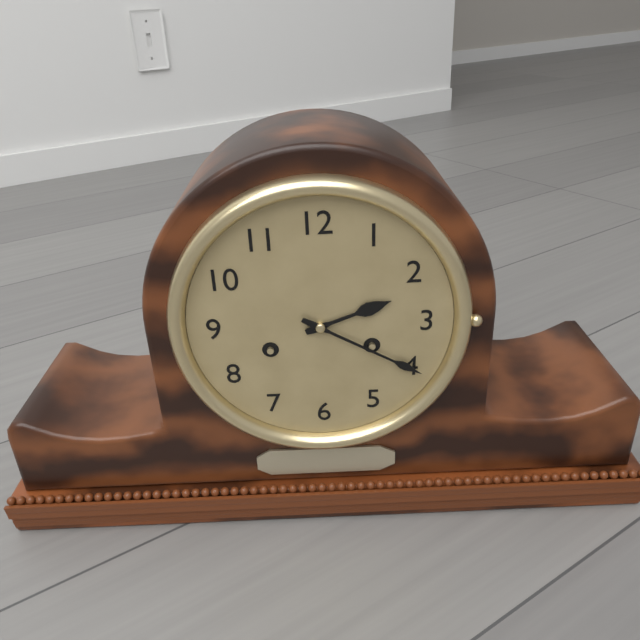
2h20
